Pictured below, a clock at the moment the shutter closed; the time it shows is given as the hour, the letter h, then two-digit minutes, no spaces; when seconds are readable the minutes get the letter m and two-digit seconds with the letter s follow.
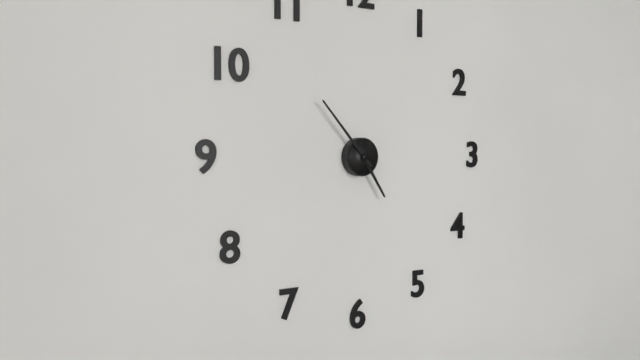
4h53
